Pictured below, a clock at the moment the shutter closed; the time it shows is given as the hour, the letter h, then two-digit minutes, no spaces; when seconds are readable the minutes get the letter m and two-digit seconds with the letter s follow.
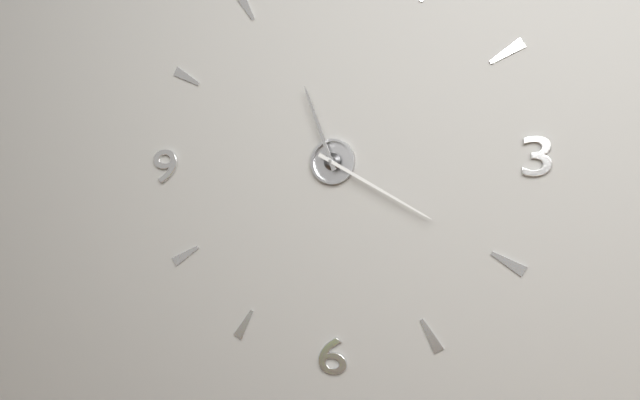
11h20
